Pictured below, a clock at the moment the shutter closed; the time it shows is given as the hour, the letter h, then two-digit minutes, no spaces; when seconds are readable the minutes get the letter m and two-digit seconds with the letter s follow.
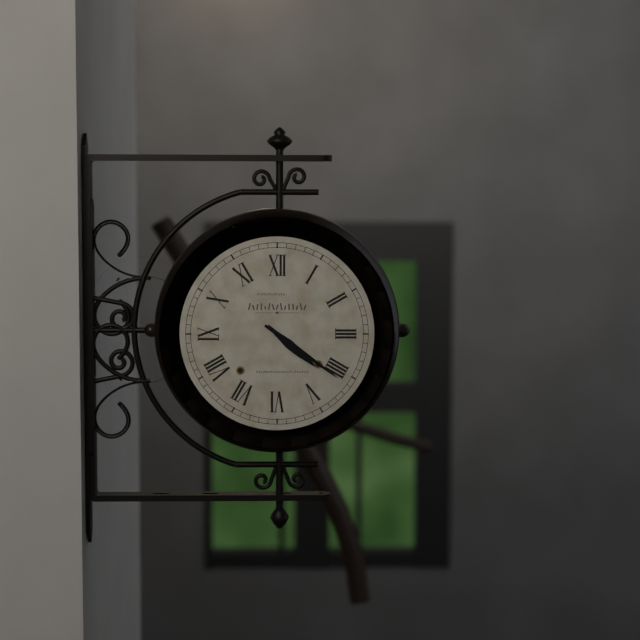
4h21
